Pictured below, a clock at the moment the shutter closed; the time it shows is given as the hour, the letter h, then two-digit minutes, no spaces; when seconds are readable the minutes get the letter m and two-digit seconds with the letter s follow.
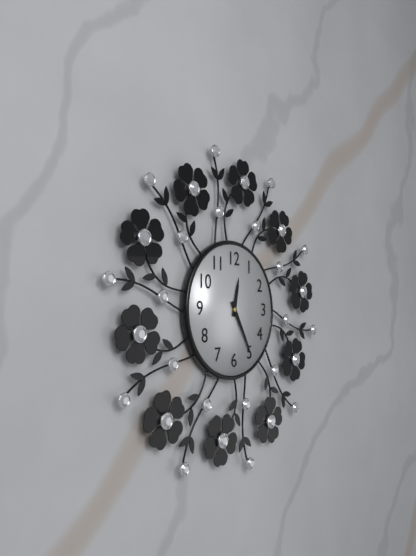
12h25
